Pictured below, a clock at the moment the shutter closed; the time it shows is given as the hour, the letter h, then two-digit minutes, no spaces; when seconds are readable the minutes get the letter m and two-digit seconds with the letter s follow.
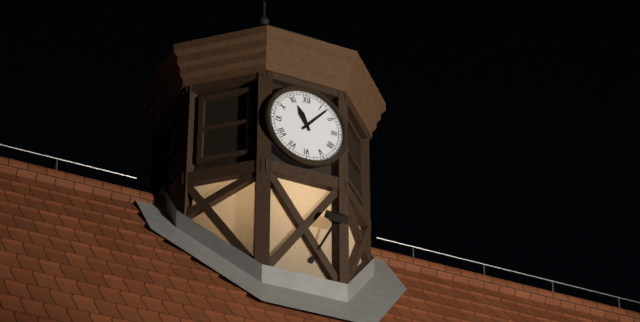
11h07
